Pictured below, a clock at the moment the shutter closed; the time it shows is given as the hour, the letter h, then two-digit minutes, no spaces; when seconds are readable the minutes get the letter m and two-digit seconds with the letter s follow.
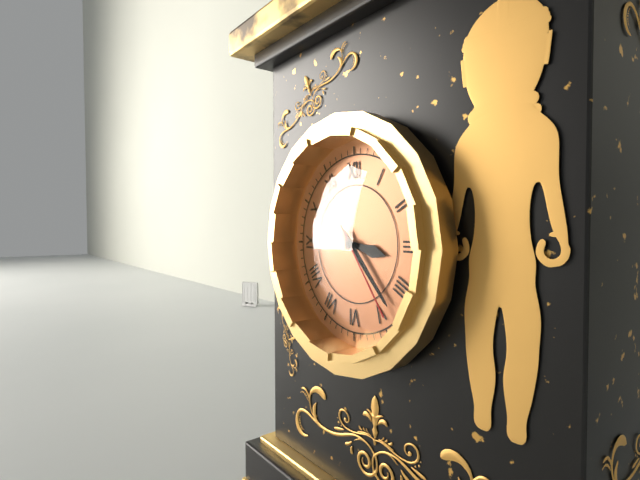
3h23m24s
